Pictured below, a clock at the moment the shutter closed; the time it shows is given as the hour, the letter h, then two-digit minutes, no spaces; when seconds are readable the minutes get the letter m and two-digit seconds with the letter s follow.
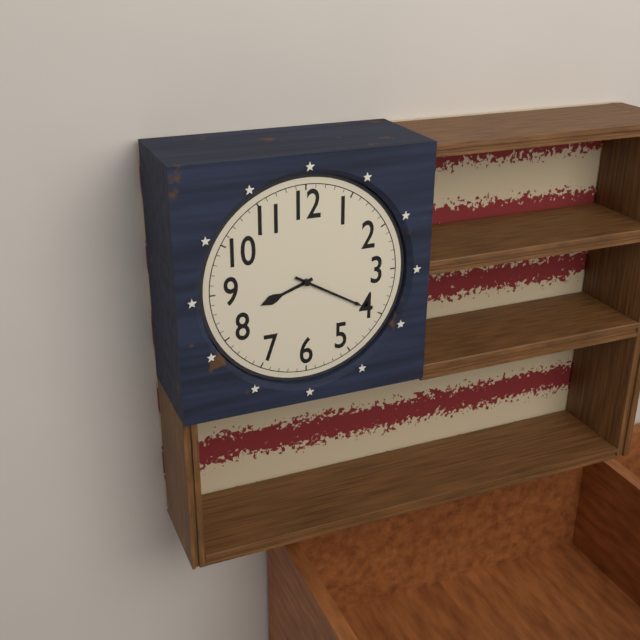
8h20
